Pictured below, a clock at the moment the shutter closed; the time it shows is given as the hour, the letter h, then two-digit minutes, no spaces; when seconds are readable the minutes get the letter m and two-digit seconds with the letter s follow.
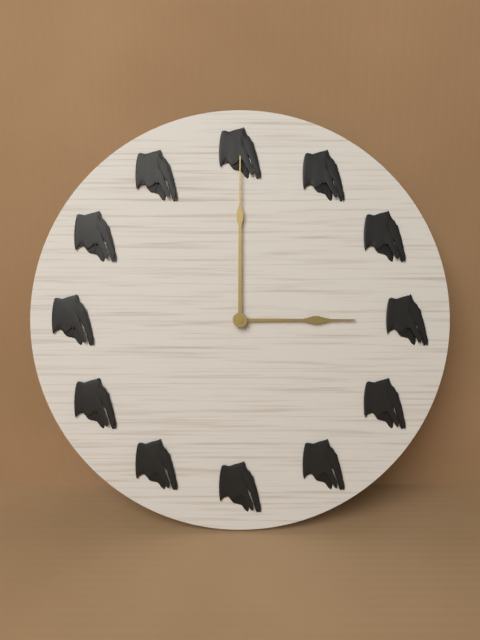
3h00
